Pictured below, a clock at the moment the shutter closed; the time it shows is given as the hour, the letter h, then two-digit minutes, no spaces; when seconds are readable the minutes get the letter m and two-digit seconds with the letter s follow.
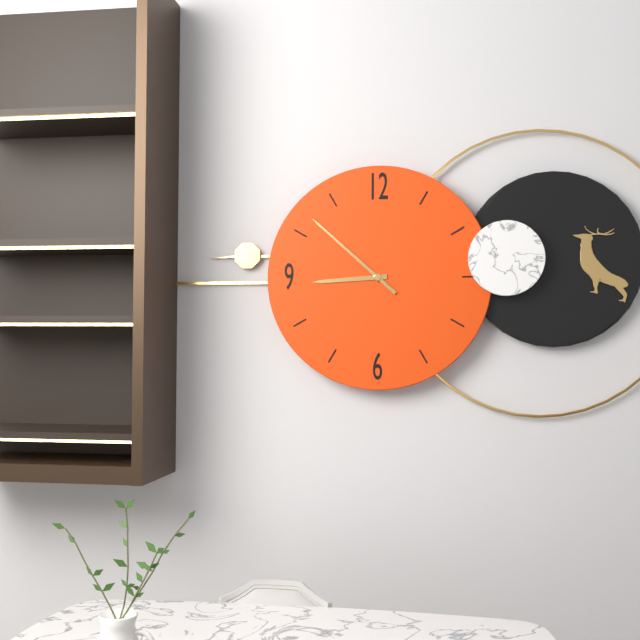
8h52
